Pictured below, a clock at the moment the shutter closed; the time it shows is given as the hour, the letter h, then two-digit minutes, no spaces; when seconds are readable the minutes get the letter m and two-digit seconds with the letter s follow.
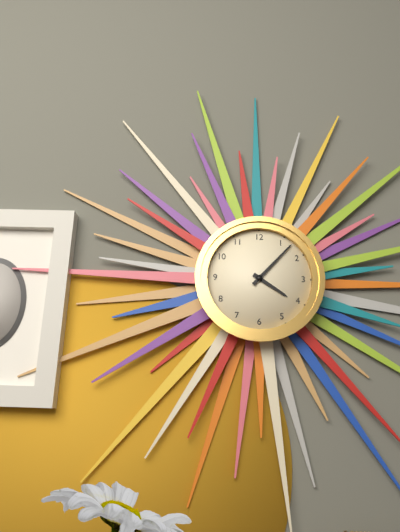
4h07
